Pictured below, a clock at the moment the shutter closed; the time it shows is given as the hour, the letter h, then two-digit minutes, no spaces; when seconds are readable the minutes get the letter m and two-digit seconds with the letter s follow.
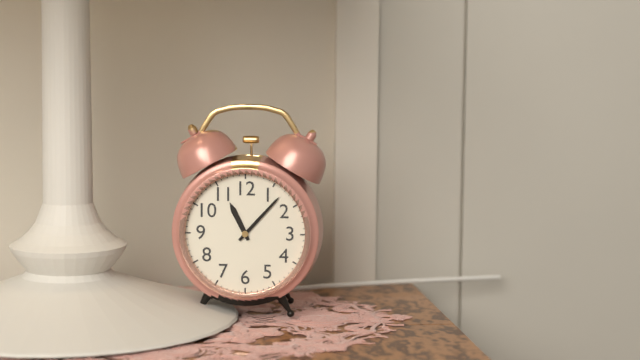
11h07
